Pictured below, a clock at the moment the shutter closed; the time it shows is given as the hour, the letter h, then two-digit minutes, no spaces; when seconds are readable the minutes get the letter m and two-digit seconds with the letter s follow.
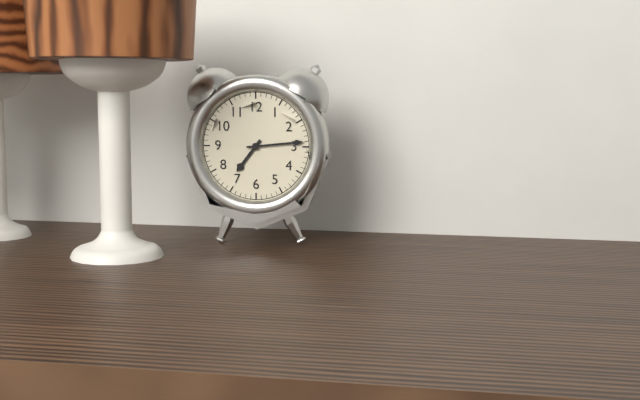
7h14
